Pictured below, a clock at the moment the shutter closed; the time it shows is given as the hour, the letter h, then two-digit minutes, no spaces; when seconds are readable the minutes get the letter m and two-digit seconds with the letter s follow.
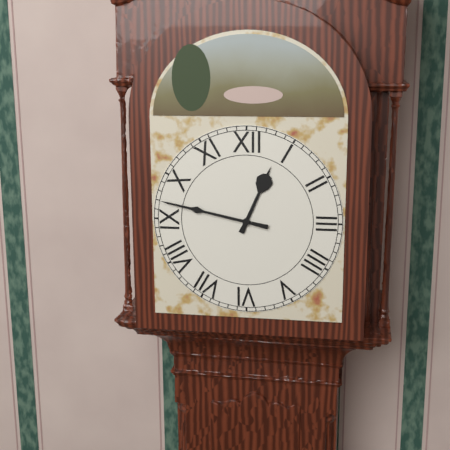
12h47
